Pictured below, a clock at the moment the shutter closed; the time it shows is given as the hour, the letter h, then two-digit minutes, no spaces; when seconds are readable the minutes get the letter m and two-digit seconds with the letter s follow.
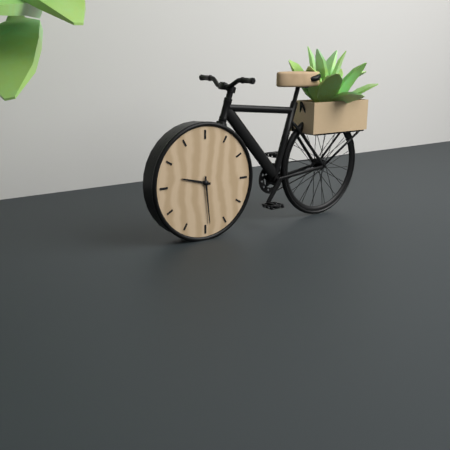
9h29
